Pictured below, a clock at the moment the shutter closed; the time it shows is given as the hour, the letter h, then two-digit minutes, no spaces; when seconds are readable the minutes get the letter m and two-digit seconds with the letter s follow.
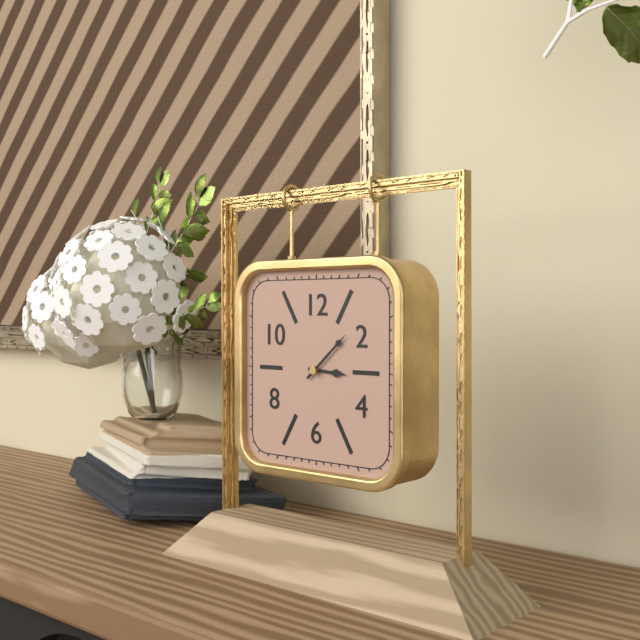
3h08
